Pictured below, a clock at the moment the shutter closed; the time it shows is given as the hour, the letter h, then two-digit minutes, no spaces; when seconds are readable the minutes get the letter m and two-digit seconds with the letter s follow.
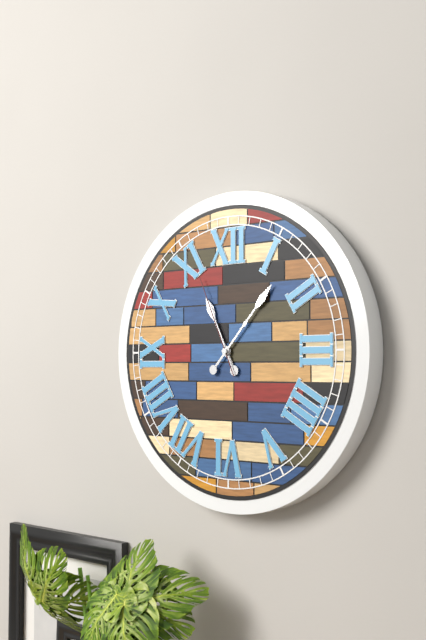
11h07m56s
